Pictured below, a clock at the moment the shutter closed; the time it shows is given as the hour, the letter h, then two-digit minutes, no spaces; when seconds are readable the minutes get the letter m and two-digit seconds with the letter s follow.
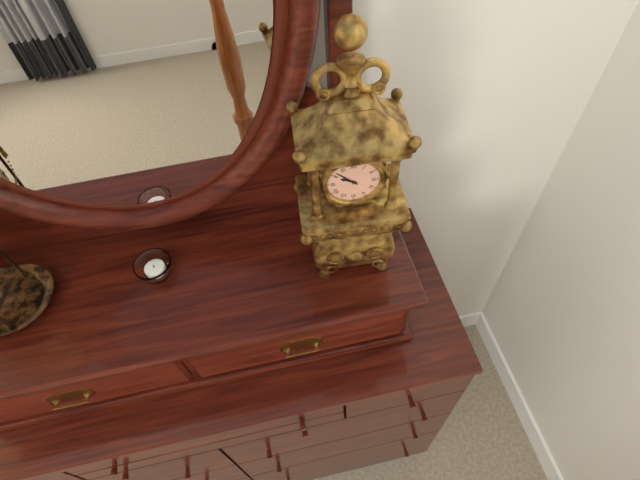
9h52
